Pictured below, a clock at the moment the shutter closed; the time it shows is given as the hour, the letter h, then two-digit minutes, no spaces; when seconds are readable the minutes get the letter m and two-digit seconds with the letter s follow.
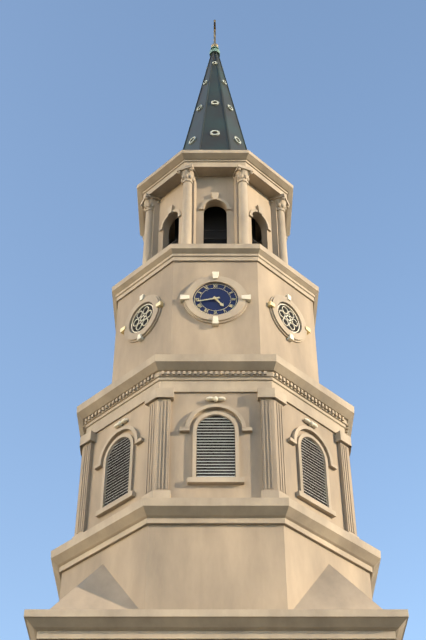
4h43
